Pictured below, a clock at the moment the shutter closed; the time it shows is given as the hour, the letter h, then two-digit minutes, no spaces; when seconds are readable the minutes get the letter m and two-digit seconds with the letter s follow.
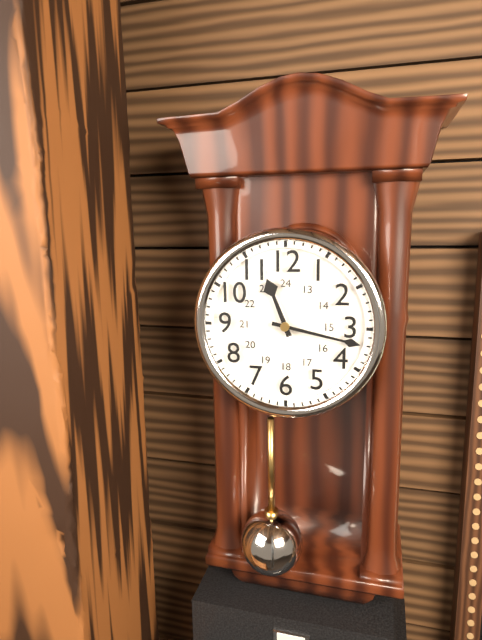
11h17
